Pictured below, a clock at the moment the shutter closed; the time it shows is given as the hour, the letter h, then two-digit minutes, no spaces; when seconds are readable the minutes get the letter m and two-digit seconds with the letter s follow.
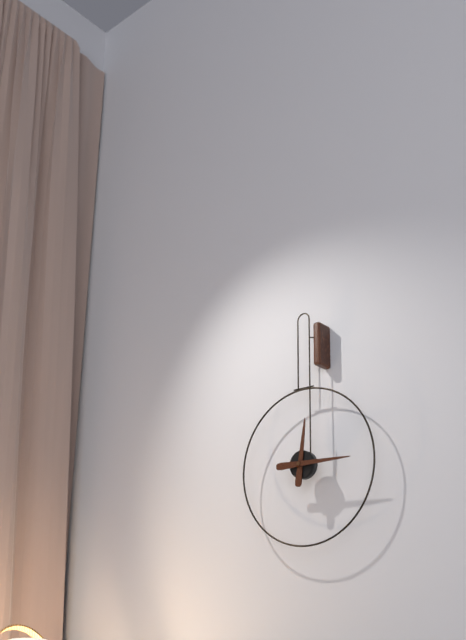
12h15
